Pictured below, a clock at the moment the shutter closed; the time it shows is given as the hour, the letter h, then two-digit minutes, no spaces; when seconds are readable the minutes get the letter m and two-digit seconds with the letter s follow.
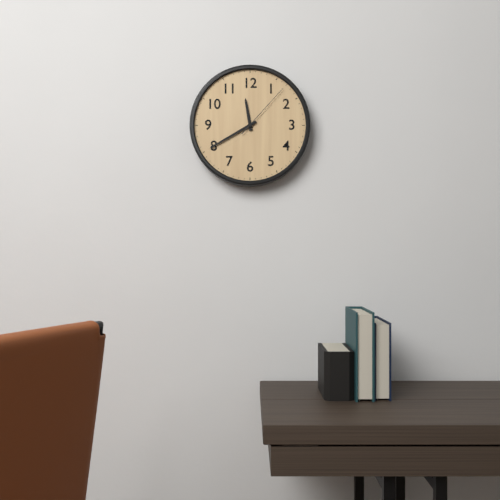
11h40m07s
